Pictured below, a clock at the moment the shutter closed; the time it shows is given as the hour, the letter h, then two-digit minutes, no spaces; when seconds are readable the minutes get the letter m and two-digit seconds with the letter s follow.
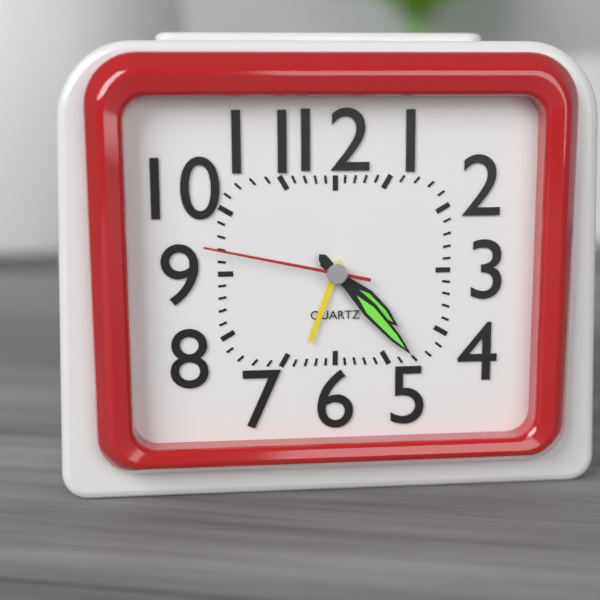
4h23m47s
